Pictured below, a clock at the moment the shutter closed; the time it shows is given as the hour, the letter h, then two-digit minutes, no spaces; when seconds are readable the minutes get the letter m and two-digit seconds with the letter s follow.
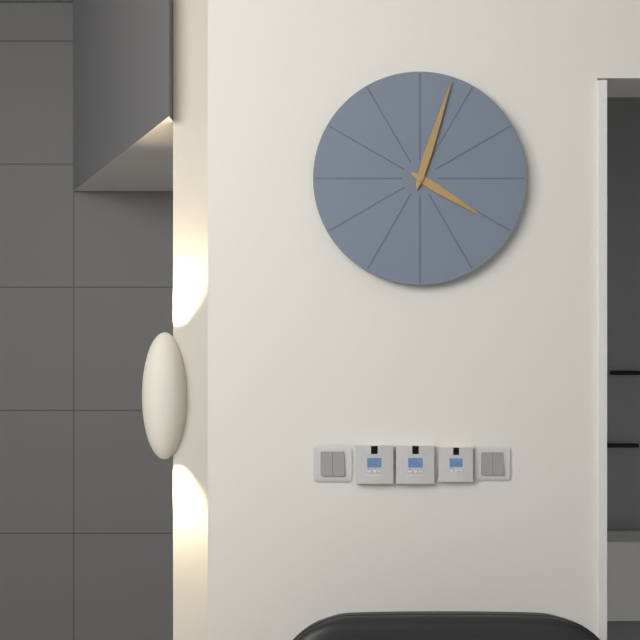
4h03
